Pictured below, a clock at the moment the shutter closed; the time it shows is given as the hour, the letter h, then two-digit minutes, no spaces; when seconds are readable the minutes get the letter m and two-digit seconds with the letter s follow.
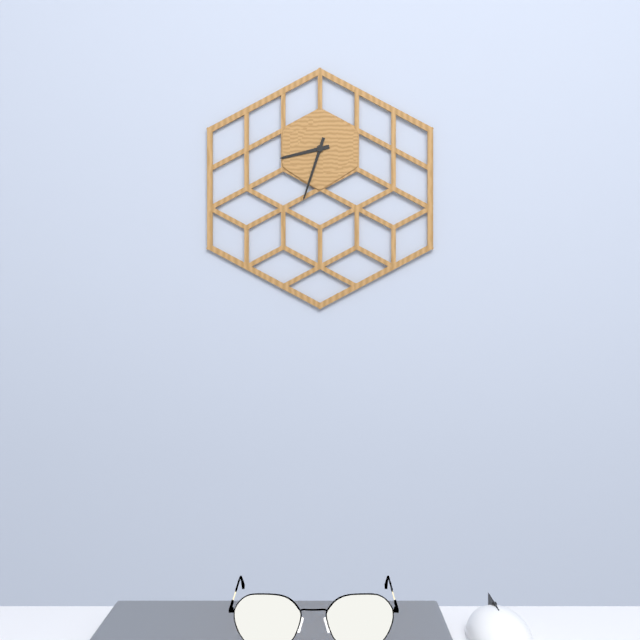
8h33
